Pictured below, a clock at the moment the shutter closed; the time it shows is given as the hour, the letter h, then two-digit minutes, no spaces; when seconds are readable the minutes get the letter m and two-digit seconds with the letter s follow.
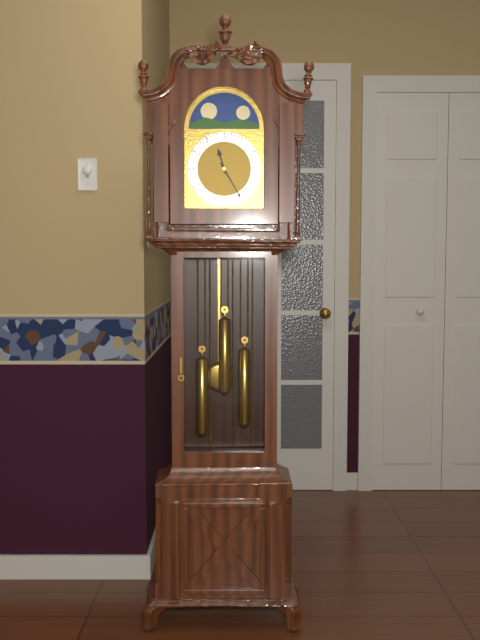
11h25
